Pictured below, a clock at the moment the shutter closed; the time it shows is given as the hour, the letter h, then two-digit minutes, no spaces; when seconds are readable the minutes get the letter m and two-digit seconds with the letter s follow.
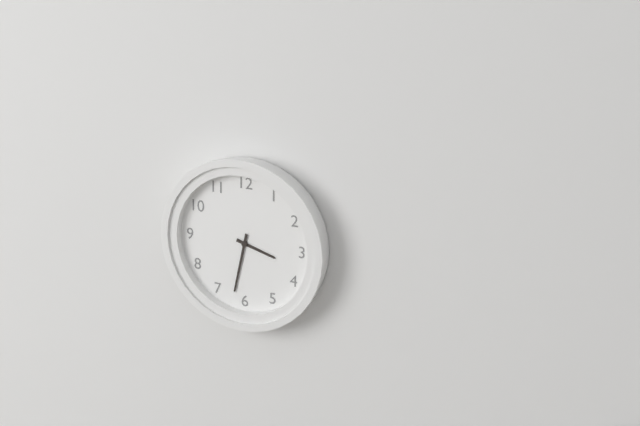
3h32
